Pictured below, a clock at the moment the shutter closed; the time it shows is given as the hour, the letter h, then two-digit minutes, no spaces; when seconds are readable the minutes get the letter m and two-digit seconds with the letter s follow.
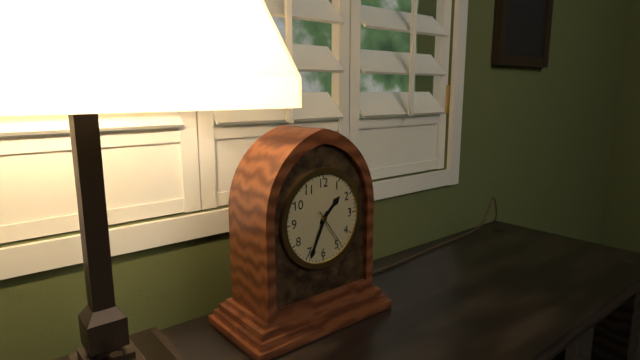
1h34
